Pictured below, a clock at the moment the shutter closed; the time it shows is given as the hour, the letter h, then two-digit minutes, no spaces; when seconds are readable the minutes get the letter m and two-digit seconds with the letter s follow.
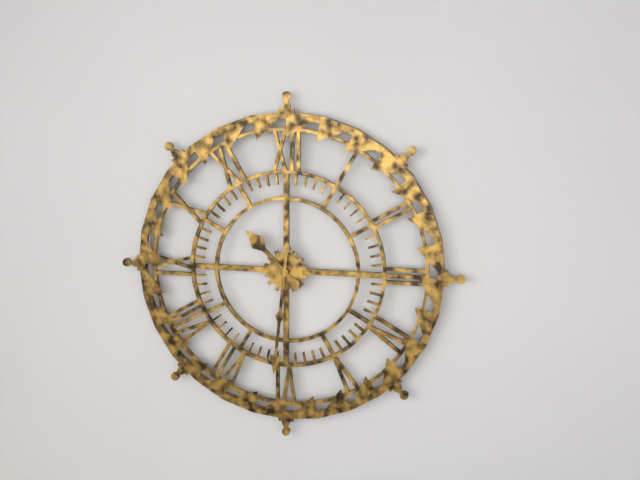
10h31
